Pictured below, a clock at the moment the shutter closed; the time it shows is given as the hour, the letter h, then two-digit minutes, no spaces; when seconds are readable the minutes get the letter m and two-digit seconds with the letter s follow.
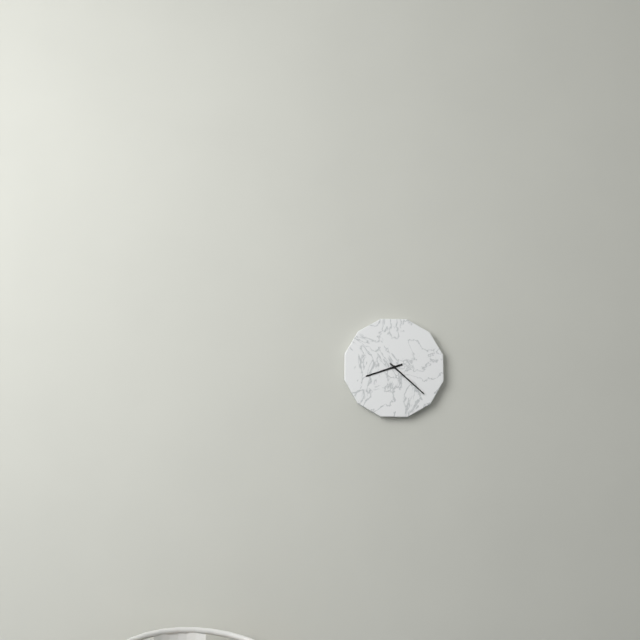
8h22
